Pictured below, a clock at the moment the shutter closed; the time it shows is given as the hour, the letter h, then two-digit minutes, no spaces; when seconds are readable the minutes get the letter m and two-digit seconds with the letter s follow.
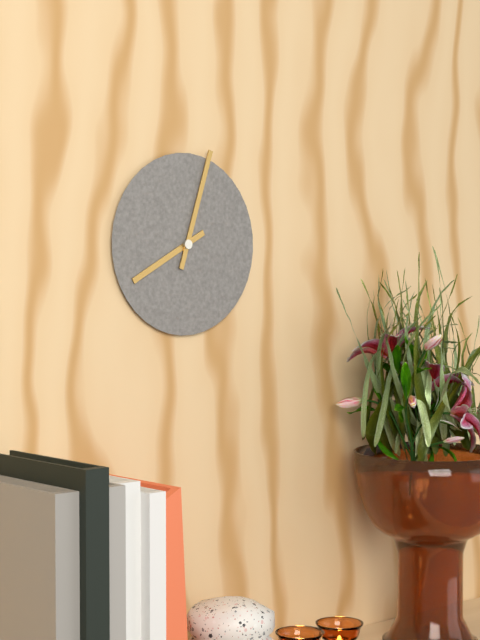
8h03
